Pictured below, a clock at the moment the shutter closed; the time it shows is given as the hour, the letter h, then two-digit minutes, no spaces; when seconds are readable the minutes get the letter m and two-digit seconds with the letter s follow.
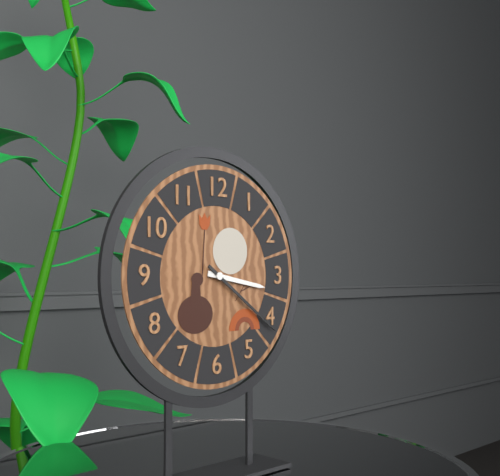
3h21
